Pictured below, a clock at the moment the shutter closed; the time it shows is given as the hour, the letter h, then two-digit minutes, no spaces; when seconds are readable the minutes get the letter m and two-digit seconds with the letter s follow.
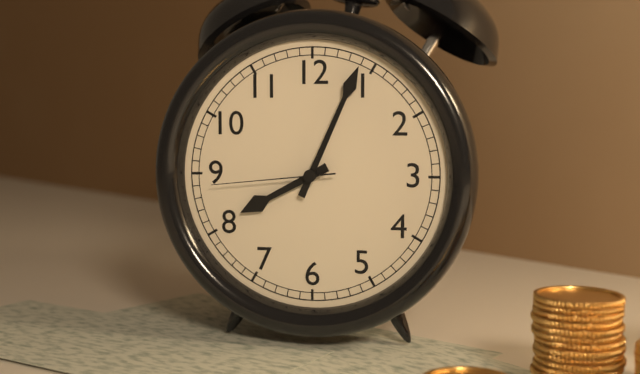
8h04m44s
